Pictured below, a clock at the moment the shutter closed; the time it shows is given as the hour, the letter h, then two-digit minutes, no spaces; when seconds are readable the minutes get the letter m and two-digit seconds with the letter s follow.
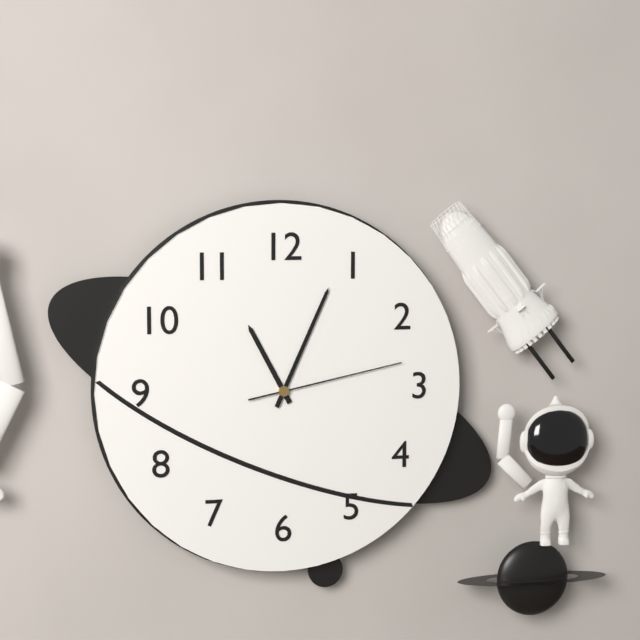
11h04m13s
